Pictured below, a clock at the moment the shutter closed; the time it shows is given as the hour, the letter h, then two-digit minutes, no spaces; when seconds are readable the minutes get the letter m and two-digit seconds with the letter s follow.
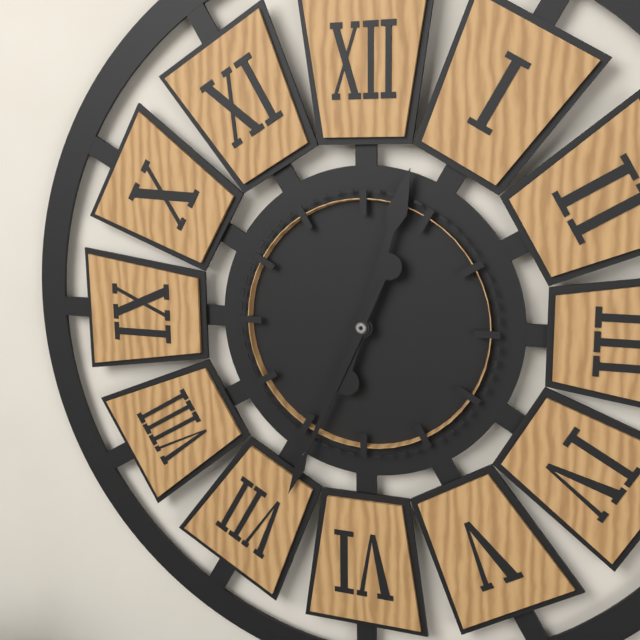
12h34
